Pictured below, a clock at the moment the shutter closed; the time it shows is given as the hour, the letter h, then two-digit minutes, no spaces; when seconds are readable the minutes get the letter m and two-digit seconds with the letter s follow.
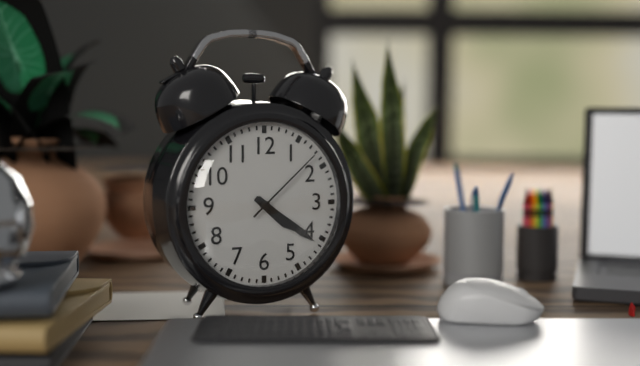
4h21m08s
